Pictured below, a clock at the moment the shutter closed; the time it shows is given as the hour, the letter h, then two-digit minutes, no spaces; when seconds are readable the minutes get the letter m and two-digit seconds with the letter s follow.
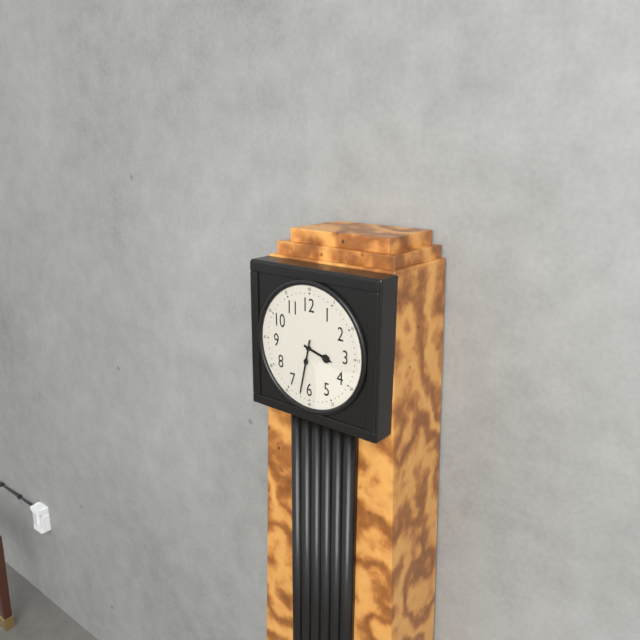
3h32
